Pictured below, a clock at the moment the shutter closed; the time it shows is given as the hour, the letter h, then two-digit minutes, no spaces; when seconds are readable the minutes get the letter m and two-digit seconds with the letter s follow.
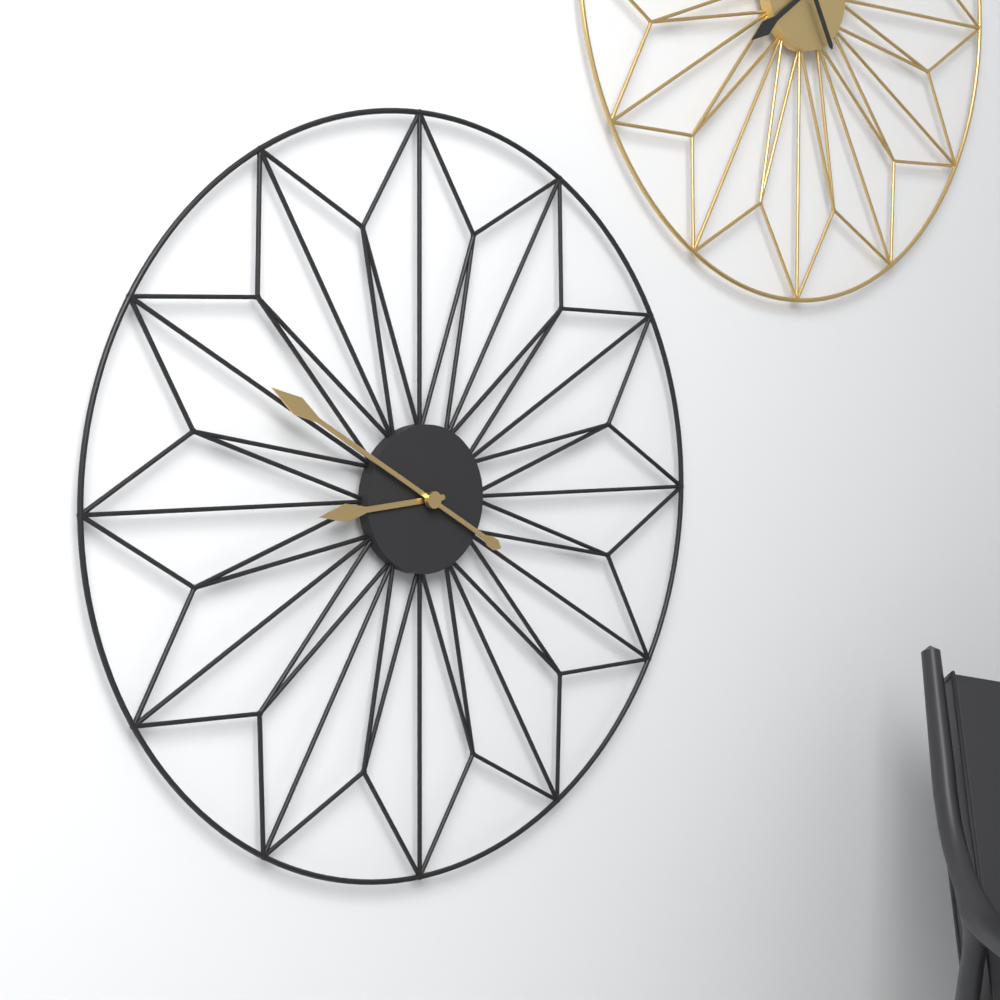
8h50
